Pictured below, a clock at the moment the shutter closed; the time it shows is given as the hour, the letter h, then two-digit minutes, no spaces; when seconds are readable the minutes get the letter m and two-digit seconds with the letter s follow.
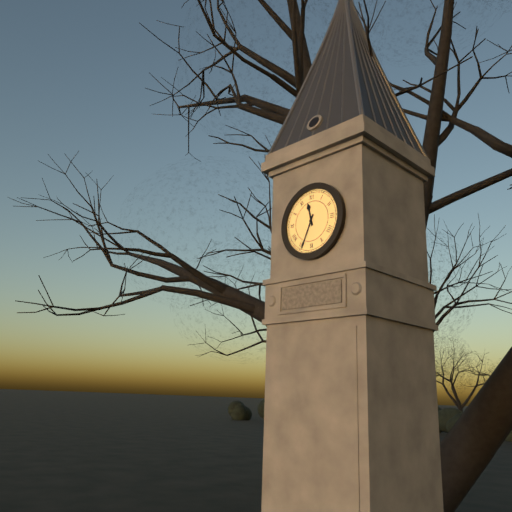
11h34
